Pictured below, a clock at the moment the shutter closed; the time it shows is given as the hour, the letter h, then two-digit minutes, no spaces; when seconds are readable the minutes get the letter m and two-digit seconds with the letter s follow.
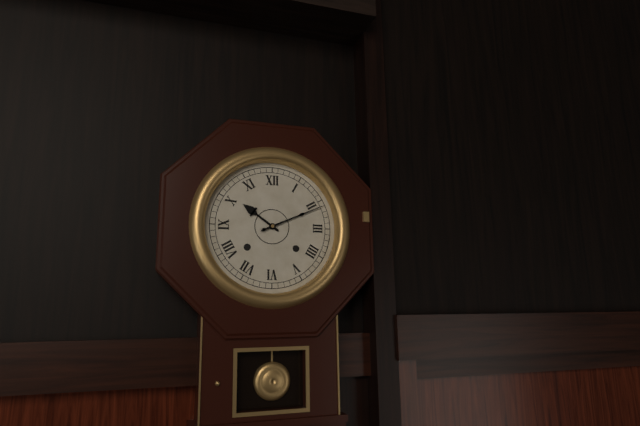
10h11
